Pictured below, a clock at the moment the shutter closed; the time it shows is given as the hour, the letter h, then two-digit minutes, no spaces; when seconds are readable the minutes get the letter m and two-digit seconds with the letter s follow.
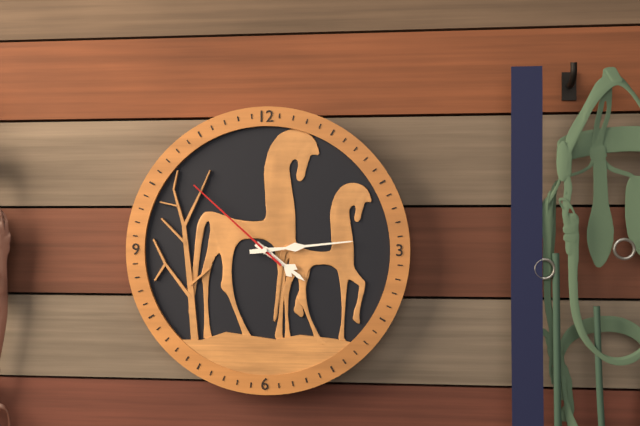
4h14m52s
